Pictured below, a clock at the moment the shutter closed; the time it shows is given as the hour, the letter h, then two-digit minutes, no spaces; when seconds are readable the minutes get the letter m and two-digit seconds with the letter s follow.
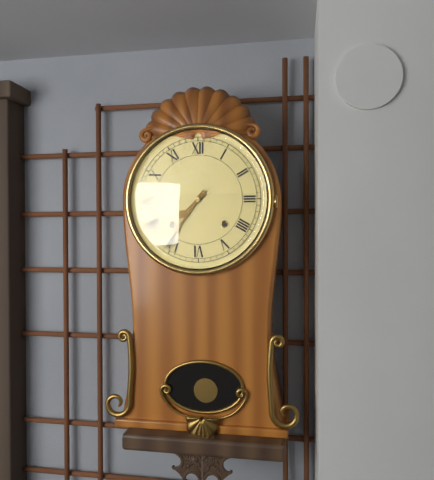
7h36
